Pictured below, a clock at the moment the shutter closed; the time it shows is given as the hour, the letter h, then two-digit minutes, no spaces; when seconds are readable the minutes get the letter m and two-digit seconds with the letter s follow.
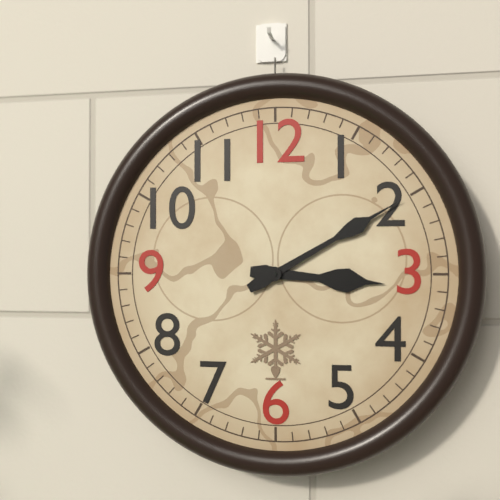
3h10
